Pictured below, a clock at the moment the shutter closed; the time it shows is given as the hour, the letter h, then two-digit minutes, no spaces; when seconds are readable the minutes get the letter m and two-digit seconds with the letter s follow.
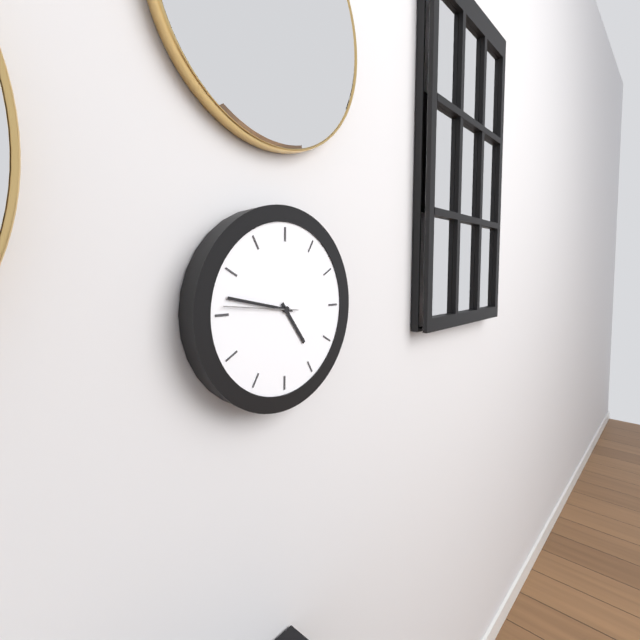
4h47m46s
